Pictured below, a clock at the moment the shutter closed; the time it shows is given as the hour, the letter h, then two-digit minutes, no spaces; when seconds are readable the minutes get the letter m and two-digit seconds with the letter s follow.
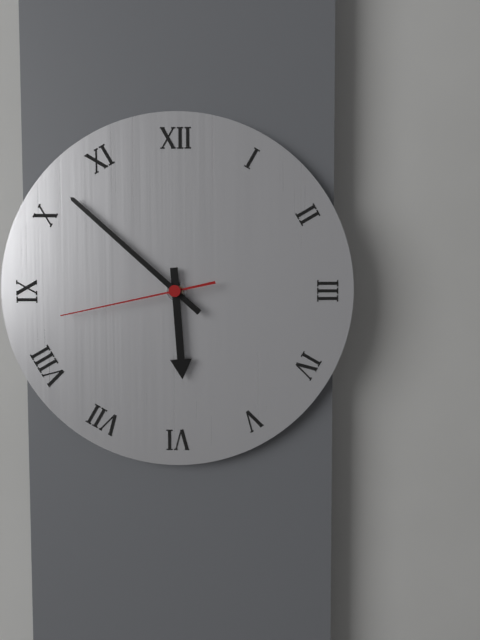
5h52m43s
